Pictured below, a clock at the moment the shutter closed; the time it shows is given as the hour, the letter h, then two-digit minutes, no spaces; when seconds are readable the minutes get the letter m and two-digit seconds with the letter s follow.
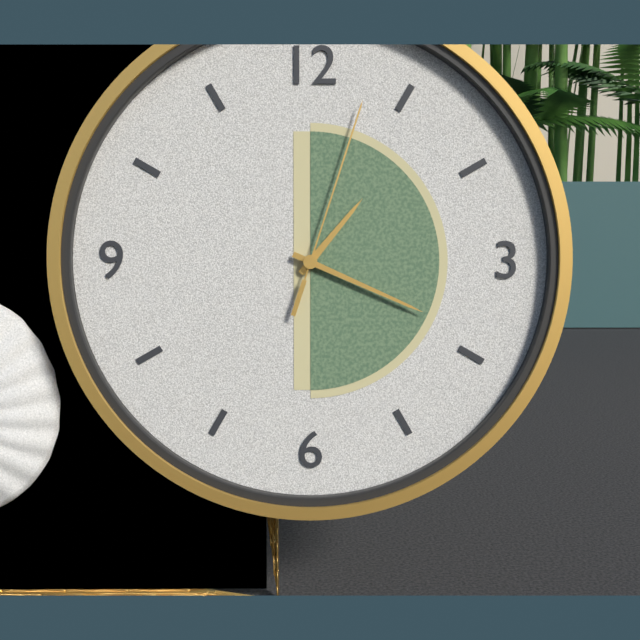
1h19m03s
